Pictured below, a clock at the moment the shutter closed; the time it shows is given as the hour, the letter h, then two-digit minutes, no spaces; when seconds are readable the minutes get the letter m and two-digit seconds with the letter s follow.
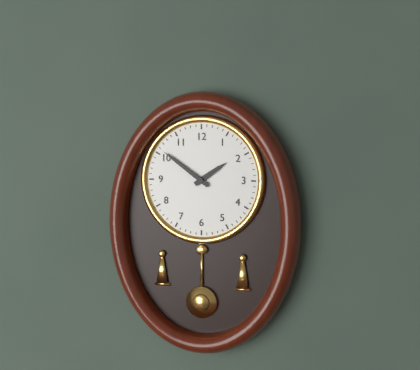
1h51
